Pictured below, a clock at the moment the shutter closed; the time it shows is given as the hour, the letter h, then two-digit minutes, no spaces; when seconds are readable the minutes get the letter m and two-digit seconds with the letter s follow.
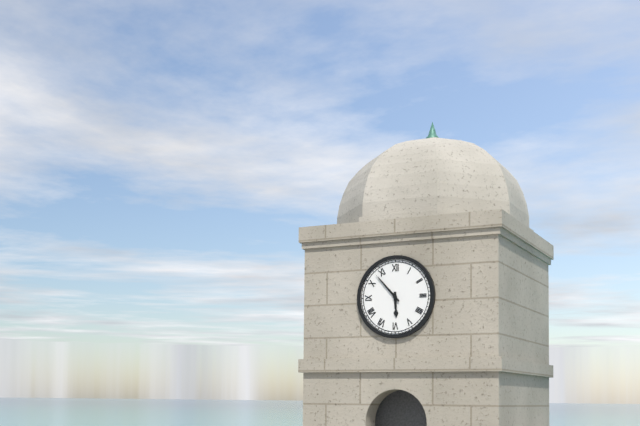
5h53
